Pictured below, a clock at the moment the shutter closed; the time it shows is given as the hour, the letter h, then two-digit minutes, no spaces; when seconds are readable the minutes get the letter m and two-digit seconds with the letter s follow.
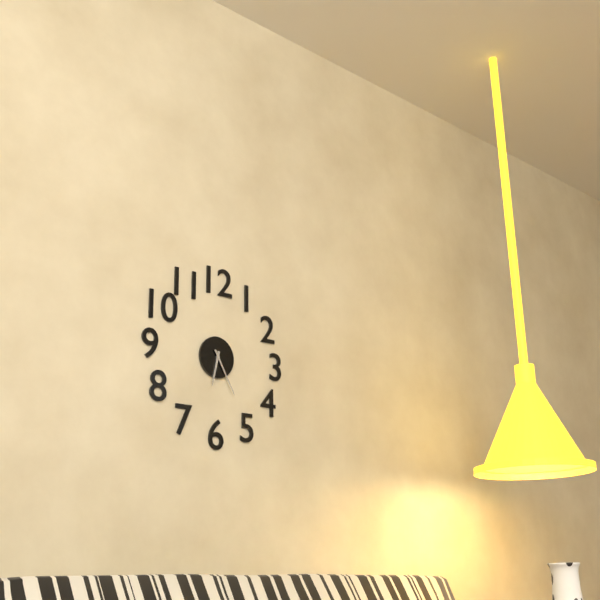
6h25
